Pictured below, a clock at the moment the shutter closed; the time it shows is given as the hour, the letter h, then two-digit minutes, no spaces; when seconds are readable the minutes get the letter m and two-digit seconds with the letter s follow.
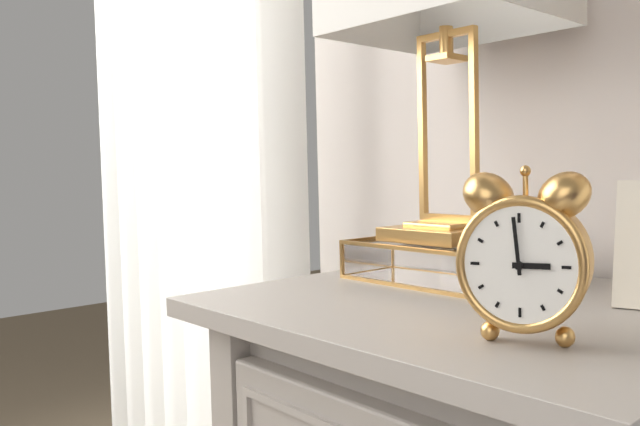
2h59
